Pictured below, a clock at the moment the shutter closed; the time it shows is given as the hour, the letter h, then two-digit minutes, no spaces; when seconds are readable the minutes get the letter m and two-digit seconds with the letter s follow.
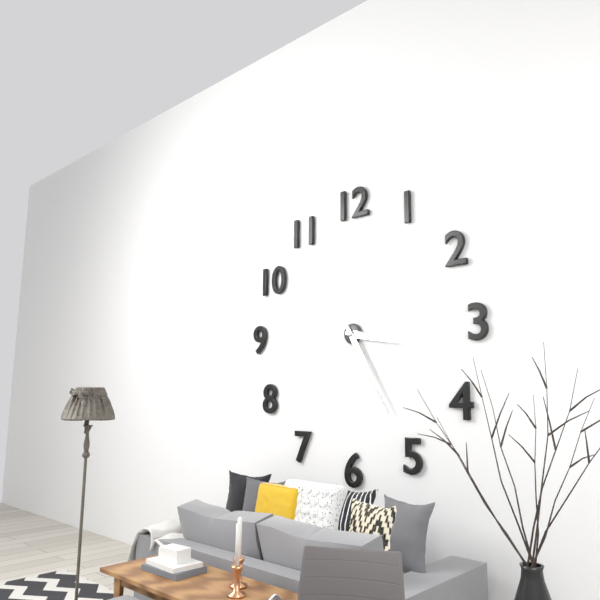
3h25
